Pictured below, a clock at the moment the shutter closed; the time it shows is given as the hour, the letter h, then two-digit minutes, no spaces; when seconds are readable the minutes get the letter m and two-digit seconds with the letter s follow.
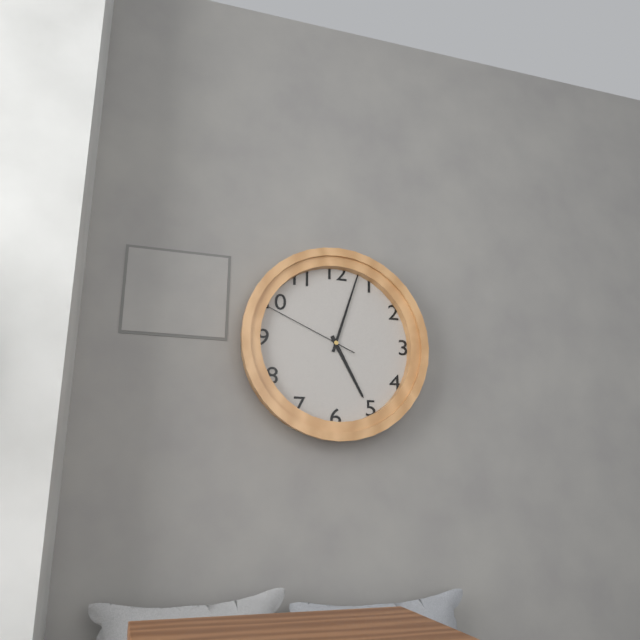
5h03m49s
